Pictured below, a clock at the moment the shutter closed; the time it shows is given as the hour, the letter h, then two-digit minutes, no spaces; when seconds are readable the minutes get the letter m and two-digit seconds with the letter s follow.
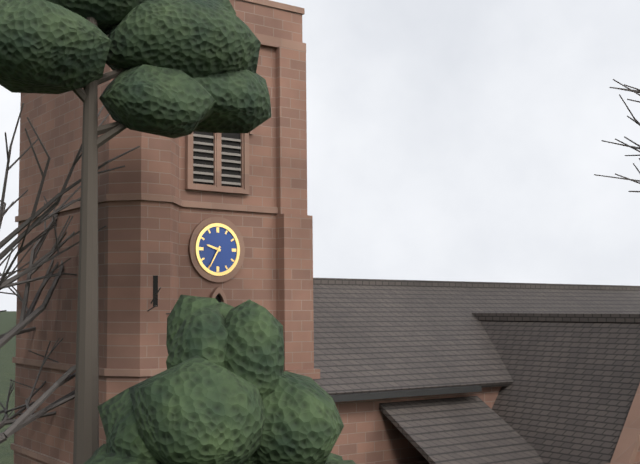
9h35
